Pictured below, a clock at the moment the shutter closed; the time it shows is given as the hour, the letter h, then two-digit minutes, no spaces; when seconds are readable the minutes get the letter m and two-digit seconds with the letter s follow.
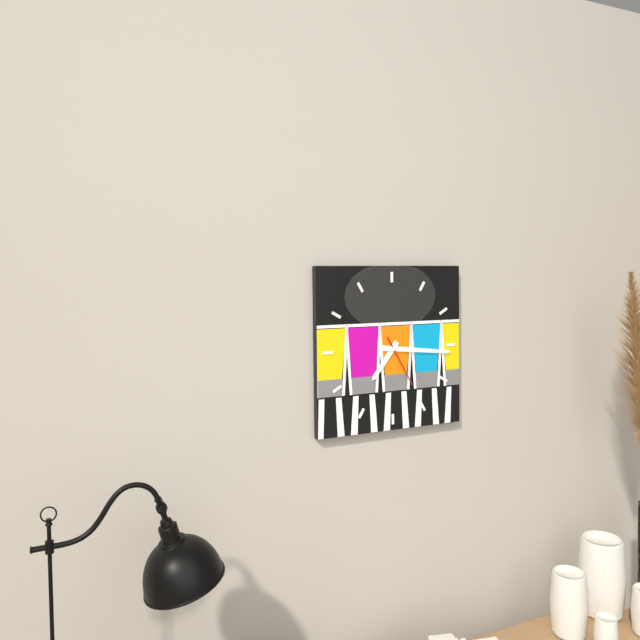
7h16m25s
